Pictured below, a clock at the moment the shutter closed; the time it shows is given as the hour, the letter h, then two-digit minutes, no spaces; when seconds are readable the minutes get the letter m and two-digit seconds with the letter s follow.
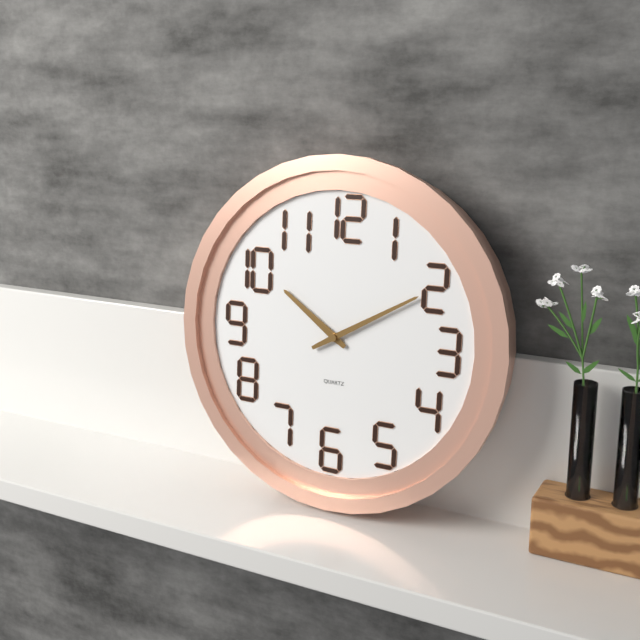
10h10
